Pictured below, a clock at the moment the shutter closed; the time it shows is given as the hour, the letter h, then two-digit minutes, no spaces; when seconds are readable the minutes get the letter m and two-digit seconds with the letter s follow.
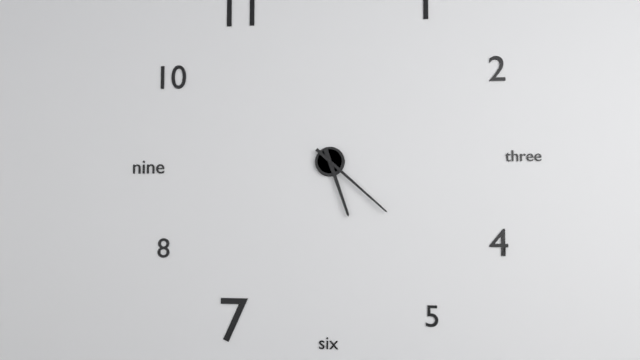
5h22
